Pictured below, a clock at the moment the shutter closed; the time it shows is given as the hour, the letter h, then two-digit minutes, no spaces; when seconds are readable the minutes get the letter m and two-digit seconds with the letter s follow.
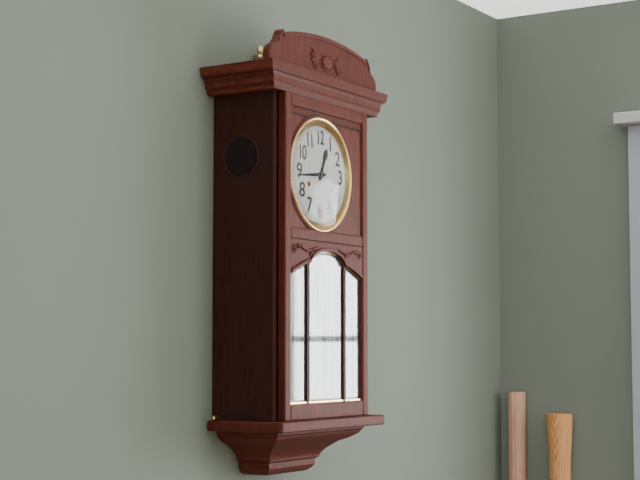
12h44
